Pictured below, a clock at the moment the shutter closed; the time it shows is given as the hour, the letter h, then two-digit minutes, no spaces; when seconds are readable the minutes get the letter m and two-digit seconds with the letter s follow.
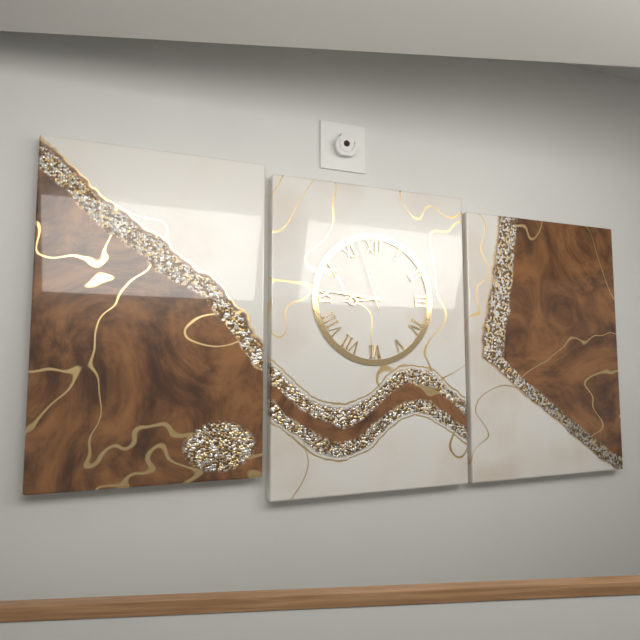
8h46m57s
